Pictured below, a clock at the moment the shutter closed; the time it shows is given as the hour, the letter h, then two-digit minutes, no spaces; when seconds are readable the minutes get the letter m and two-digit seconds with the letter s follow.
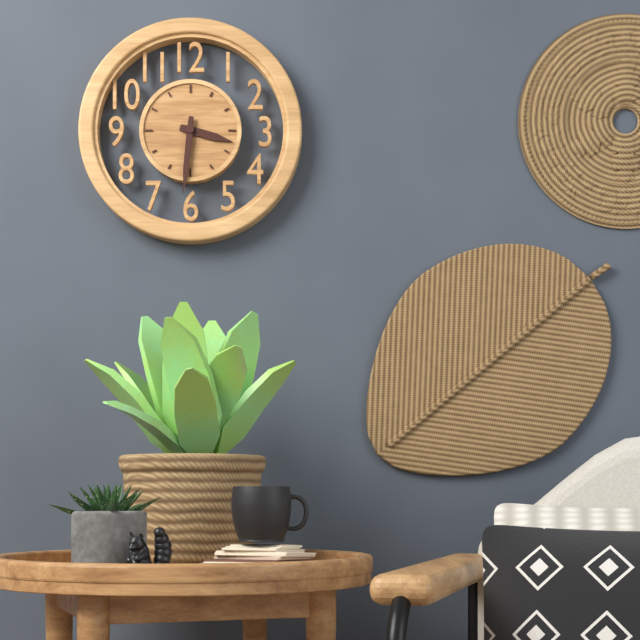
3h31
